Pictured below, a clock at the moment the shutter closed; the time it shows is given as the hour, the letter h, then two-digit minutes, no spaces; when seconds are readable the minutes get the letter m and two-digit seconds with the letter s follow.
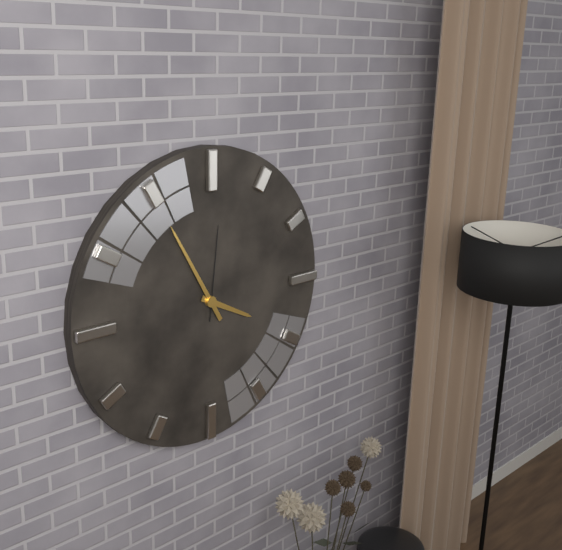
3h55m01s
